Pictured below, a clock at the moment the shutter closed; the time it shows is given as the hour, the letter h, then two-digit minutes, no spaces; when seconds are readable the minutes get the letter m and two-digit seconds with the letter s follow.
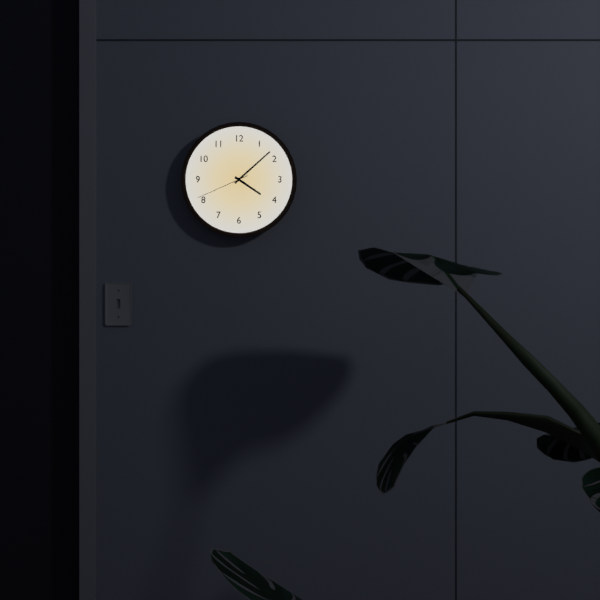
4h08m41s
